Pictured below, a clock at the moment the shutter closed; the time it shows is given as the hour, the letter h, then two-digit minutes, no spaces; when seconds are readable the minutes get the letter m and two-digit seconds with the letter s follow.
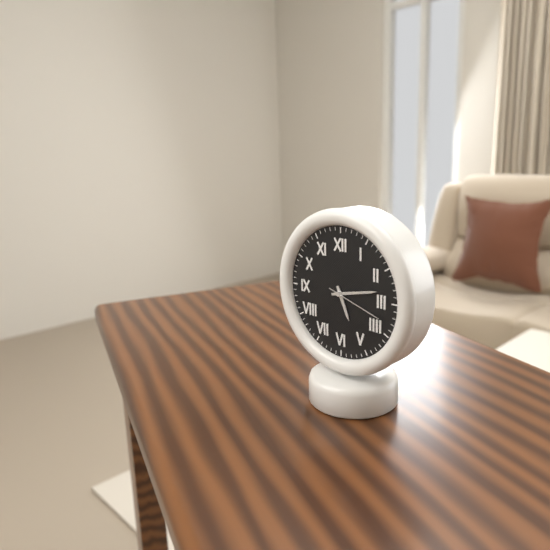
5h13m18s
